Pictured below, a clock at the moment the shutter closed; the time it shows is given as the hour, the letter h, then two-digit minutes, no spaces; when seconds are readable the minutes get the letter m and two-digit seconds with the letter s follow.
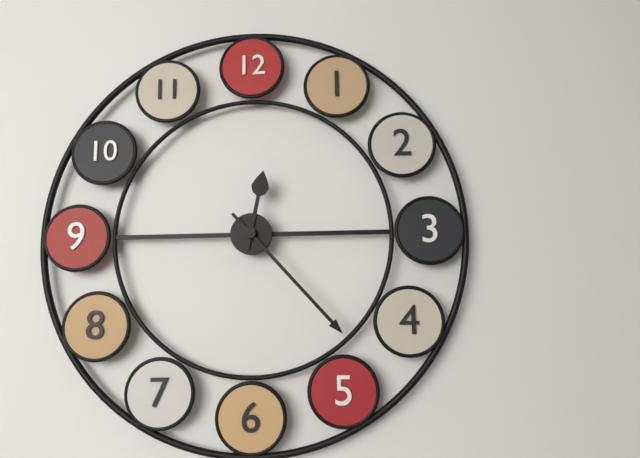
12h23
